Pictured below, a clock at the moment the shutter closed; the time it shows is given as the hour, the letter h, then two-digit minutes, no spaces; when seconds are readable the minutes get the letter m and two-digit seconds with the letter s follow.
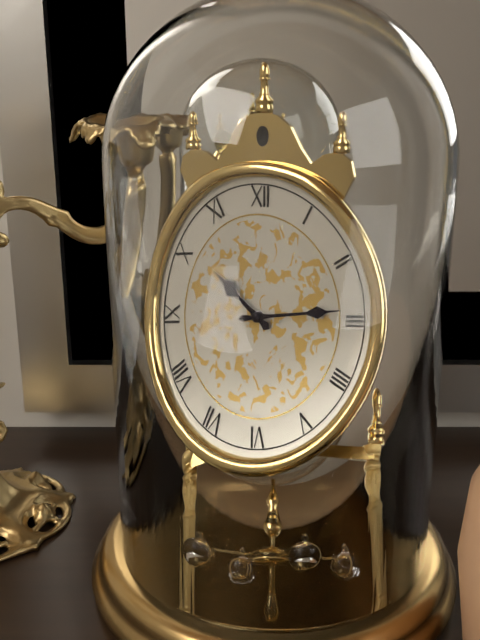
10h14
